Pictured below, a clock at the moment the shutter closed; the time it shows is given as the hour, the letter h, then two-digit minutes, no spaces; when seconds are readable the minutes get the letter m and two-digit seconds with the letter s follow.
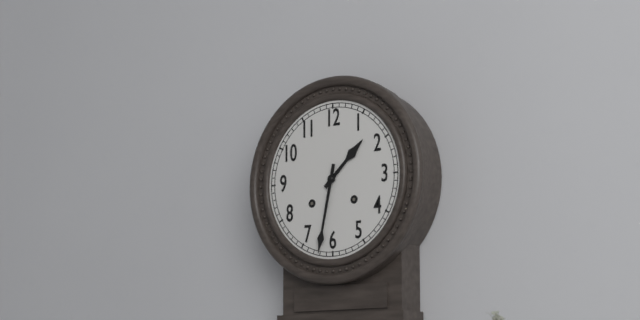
1h32
